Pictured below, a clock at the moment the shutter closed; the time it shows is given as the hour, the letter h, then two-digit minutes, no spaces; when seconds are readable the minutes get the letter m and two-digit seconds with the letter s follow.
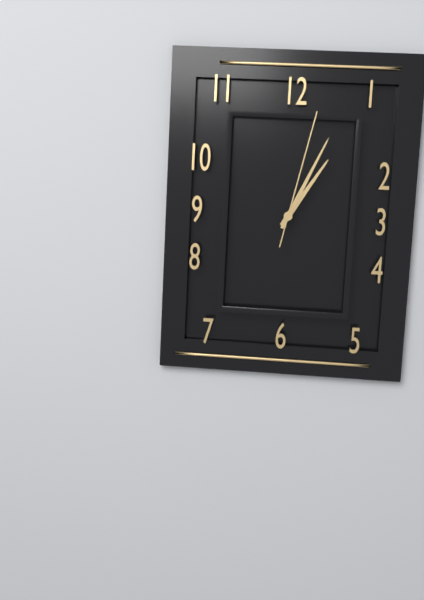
1h04m02s
